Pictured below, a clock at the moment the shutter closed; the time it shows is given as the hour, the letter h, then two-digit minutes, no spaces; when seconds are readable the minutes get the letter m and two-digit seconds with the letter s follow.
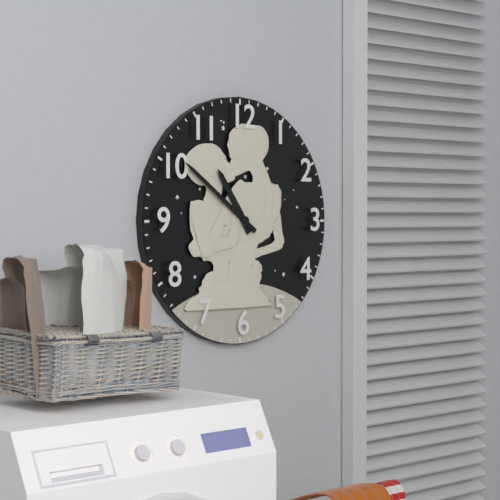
10h51
